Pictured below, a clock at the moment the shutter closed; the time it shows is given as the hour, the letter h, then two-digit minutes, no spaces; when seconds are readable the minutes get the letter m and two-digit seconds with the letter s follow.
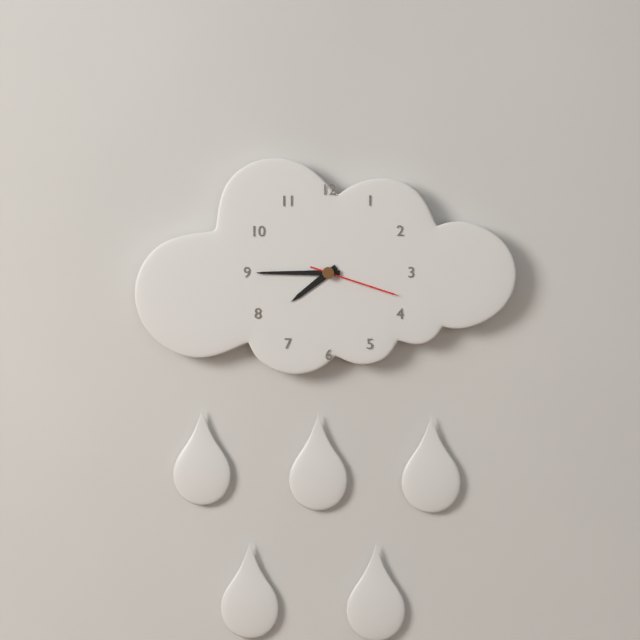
7h45m18s
